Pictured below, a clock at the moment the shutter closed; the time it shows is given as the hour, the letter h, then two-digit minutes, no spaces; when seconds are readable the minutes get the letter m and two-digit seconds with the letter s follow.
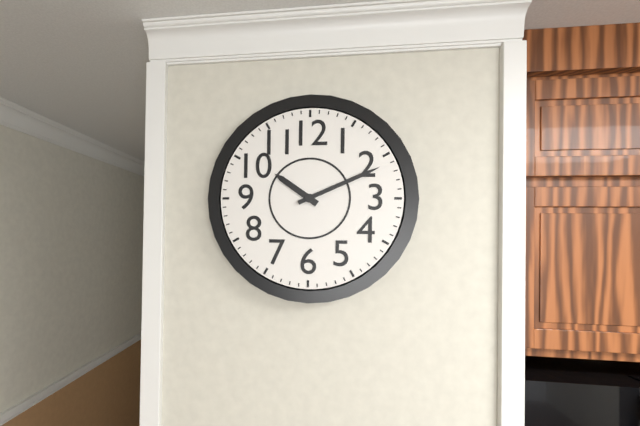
10h11
